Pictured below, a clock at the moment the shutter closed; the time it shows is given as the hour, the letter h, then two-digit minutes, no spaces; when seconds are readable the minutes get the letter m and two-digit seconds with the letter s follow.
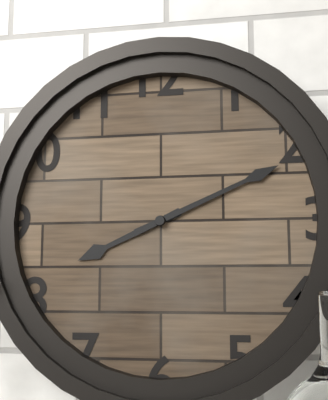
8h11
